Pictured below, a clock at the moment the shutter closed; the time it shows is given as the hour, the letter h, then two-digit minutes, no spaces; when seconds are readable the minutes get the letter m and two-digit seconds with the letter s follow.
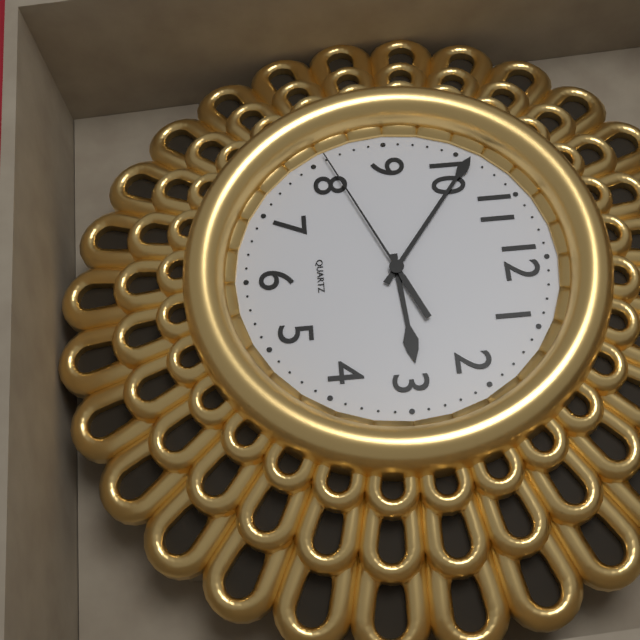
2h51m41s
